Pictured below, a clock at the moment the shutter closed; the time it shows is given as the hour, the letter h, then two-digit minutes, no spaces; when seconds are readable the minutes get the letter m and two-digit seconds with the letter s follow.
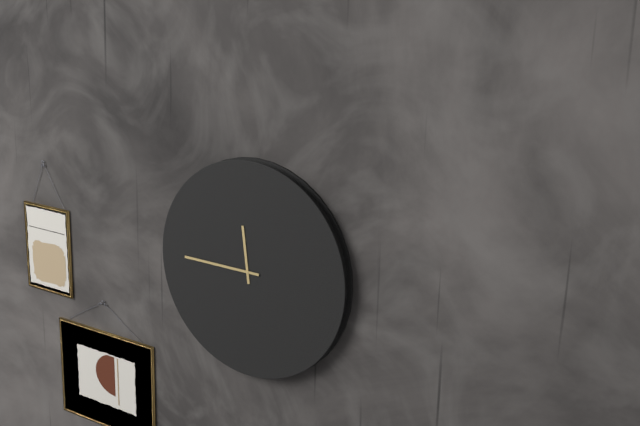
11h45
